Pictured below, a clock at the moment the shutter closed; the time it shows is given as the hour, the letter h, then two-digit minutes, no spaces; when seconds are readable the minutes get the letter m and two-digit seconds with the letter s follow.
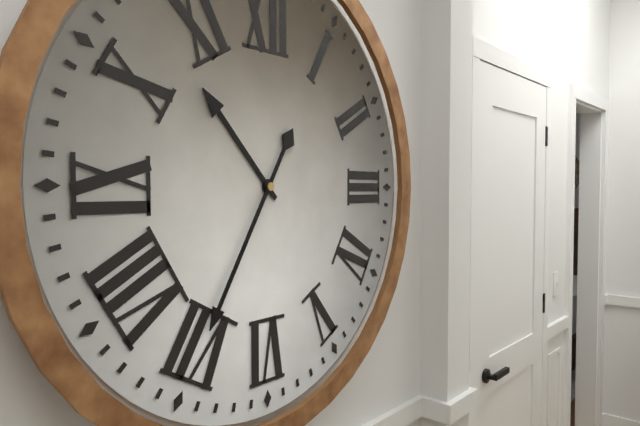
10h35
